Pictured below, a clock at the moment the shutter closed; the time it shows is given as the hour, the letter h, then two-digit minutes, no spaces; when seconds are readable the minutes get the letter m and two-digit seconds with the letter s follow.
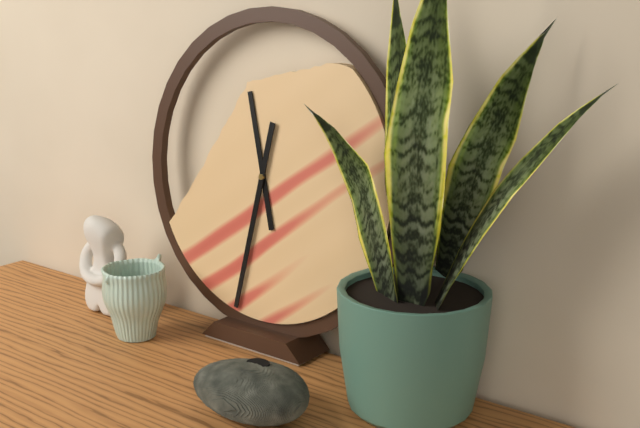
11h32
